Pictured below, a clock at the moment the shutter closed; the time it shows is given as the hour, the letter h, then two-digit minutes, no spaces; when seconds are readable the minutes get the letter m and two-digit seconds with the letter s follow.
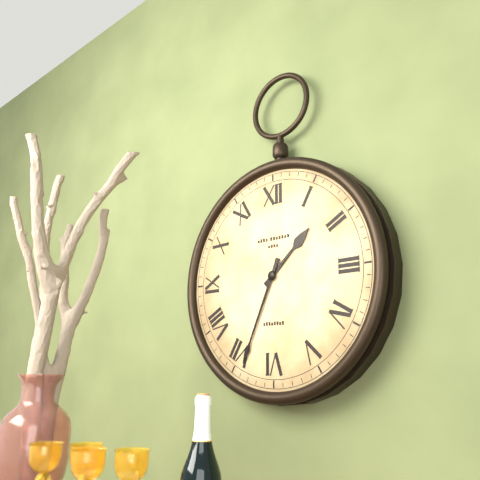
1h34
